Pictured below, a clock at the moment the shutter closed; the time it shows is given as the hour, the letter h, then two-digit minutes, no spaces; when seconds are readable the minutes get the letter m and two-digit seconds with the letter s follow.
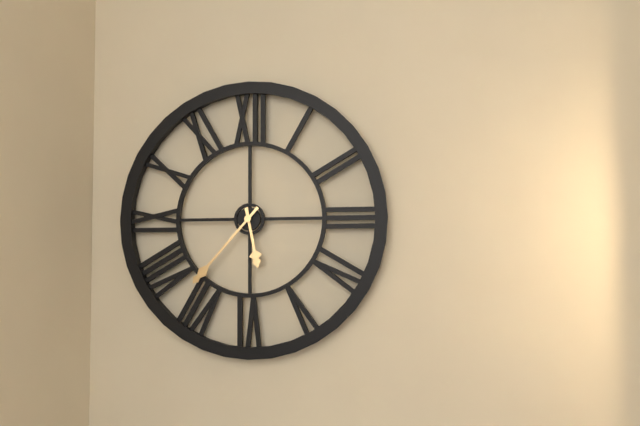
5h37
